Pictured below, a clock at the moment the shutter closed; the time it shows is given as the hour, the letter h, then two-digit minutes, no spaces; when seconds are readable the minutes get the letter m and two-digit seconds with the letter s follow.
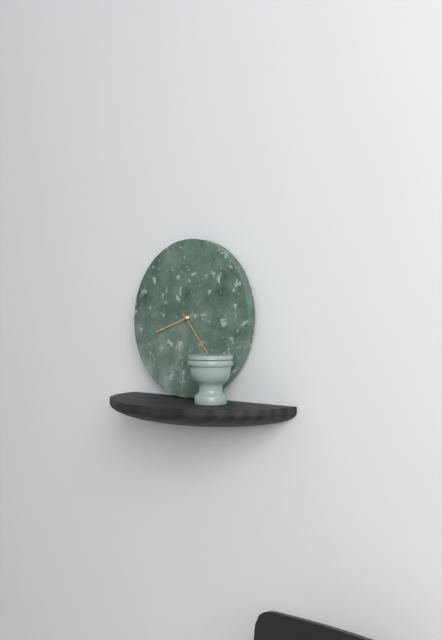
8h23
